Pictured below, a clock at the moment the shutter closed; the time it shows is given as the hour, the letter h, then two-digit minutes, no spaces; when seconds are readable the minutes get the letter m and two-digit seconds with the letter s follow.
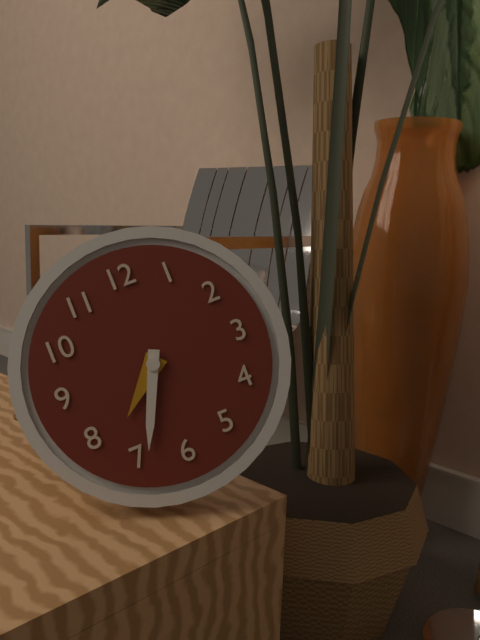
7h34
